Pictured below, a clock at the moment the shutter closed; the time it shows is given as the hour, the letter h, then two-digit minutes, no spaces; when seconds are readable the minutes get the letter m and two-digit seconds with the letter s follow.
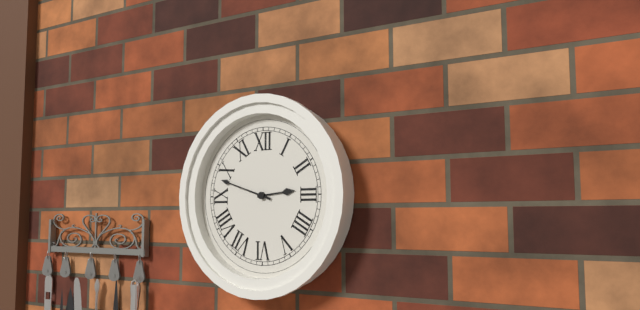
2h48
